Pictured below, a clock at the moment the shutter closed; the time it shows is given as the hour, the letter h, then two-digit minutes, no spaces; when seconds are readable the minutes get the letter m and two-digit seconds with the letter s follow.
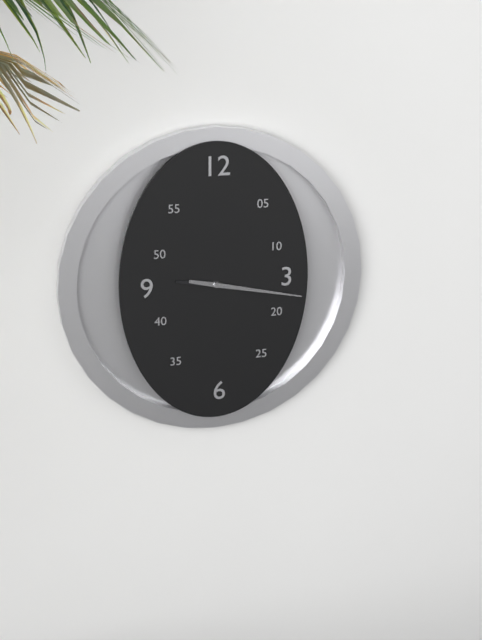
9h17
